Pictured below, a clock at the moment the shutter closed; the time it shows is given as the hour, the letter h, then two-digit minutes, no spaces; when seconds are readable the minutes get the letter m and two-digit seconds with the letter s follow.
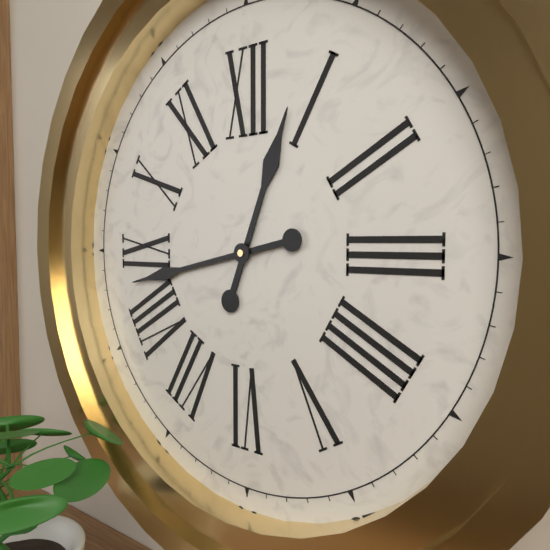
12h43
